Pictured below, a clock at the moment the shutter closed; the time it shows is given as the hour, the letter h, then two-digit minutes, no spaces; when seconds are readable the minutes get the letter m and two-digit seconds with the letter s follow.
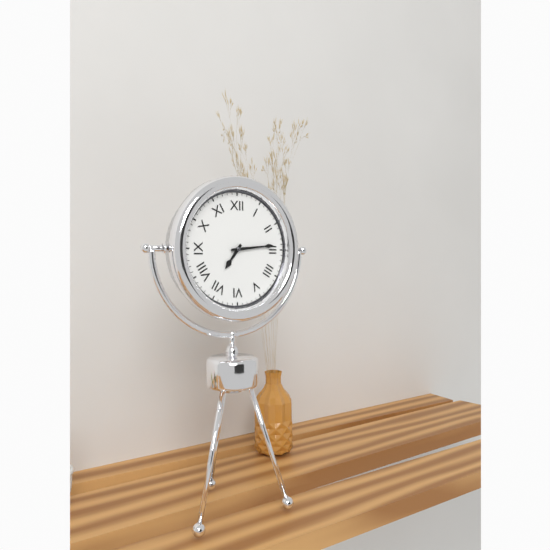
7h14
